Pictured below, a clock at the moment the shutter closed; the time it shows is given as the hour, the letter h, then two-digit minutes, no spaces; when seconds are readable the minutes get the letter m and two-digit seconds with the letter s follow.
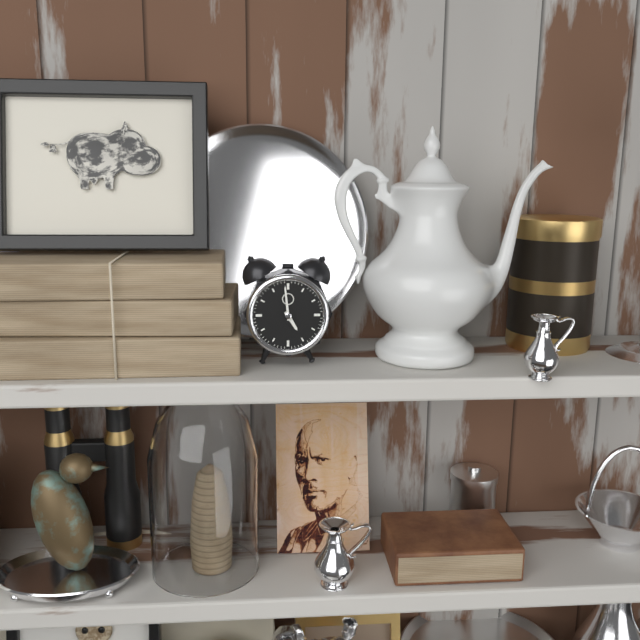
4h59
